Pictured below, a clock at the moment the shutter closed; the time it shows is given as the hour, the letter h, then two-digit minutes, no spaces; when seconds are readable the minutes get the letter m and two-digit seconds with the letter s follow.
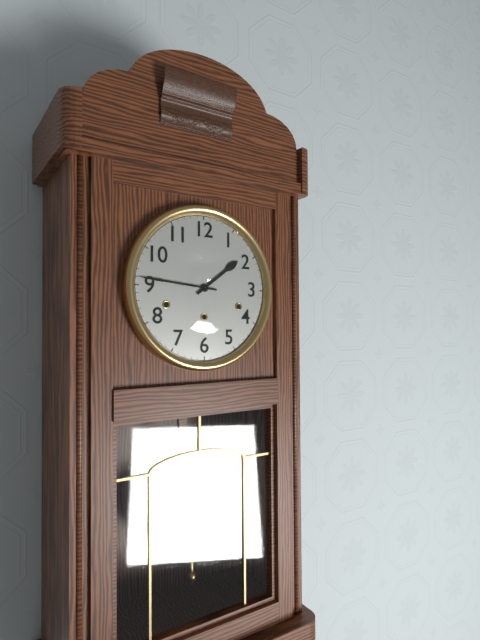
1h46
